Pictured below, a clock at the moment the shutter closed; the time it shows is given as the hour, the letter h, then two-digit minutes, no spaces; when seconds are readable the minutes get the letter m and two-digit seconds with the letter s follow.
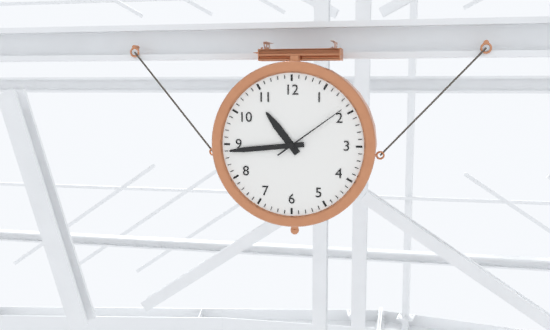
10h44m09s
